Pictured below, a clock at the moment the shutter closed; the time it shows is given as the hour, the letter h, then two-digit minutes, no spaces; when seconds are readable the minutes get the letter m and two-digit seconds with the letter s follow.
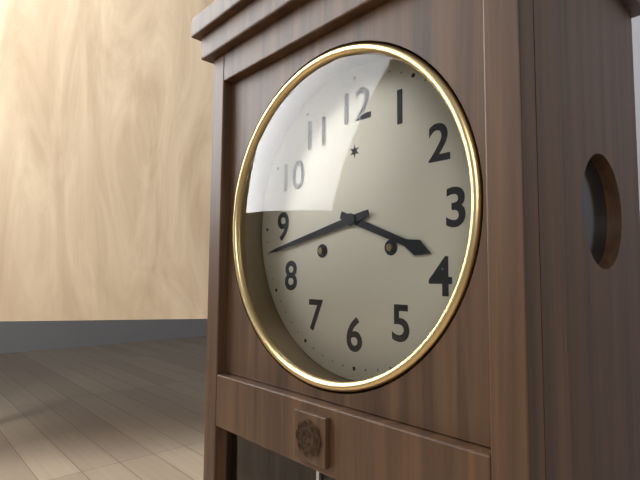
3h43
